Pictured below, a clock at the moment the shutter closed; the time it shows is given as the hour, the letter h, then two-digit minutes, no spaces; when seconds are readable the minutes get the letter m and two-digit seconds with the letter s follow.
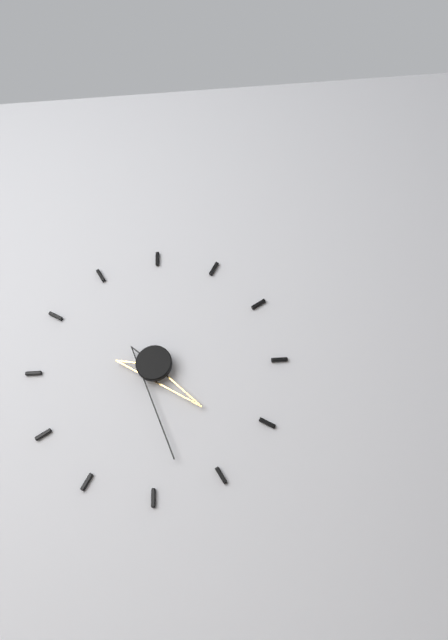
4h28
